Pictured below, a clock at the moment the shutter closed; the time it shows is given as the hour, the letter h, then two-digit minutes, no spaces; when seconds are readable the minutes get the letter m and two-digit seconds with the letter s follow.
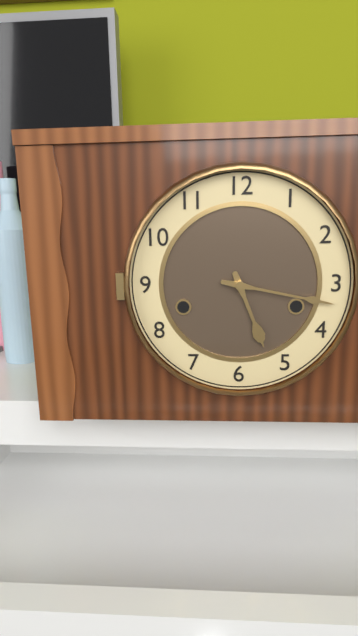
5h17
